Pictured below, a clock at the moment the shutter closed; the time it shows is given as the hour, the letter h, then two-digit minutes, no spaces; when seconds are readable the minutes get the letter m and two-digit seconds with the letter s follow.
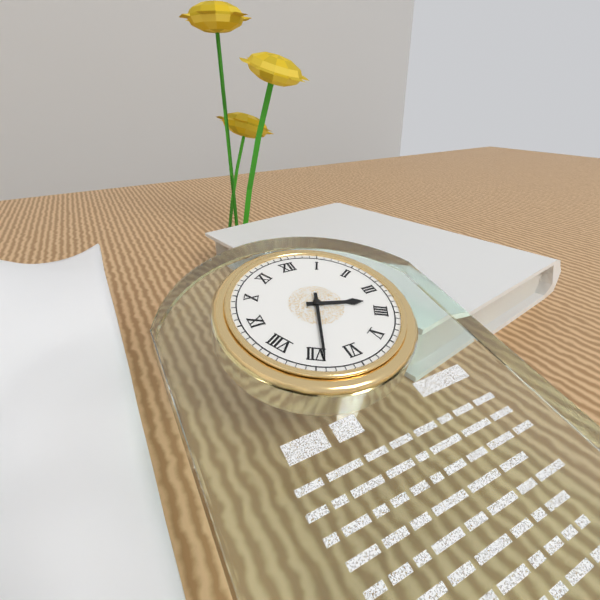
3h34
